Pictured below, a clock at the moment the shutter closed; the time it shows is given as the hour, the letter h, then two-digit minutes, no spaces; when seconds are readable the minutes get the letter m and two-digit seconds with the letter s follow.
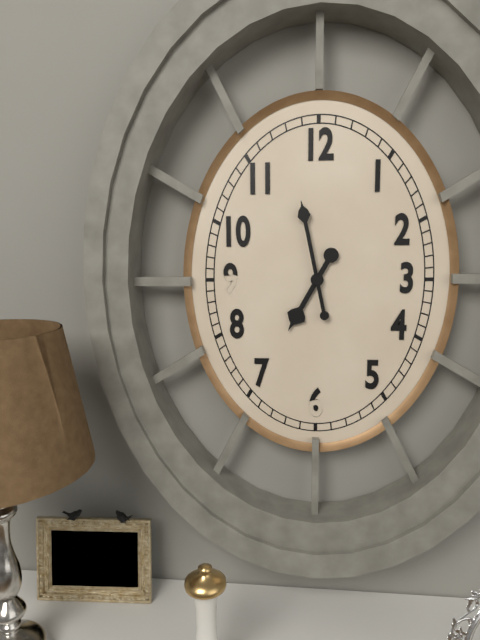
6h58
